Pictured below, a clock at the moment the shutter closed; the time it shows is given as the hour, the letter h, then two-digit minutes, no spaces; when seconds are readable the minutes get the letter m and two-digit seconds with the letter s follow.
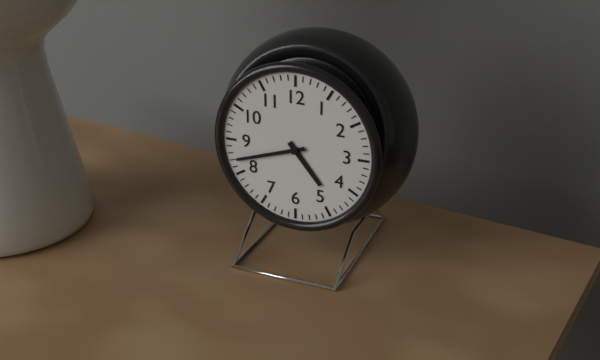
4h42
